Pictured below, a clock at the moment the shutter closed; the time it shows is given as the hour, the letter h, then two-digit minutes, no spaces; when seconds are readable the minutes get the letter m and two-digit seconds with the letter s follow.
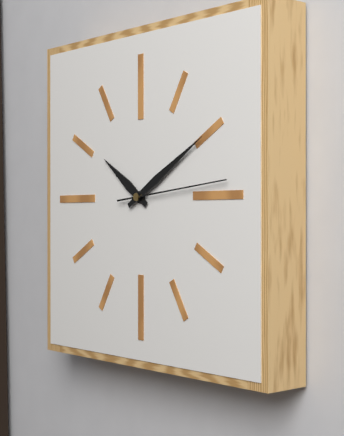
10h10m14s
